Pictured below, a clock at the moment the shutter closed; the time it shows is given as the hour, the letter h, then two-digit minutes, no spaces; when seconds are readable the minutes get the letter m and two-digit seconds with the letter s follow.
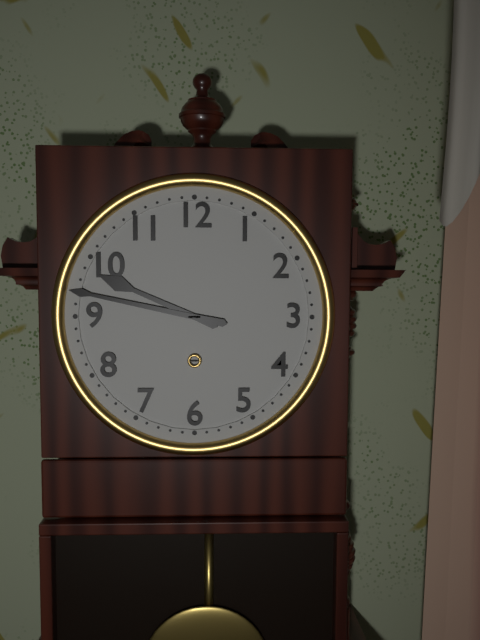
9h47
